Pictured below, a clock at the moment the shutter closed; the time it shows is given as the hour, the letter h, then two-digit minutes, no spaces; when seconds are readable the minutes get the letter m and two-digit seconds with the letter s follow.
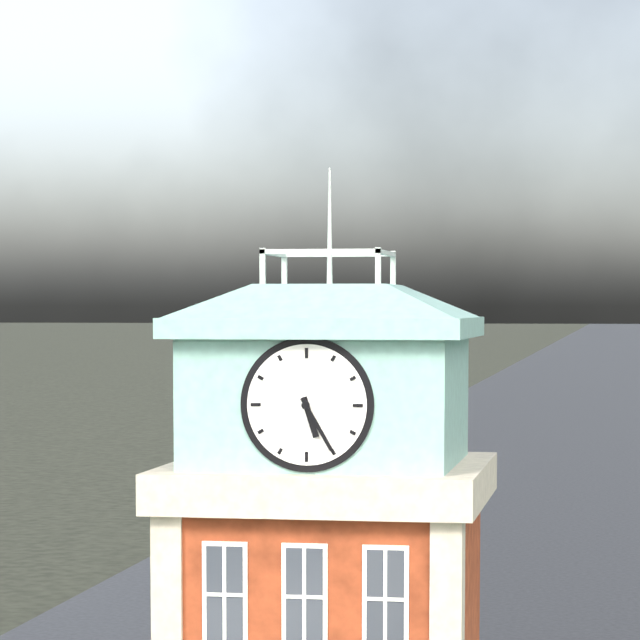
5h25
